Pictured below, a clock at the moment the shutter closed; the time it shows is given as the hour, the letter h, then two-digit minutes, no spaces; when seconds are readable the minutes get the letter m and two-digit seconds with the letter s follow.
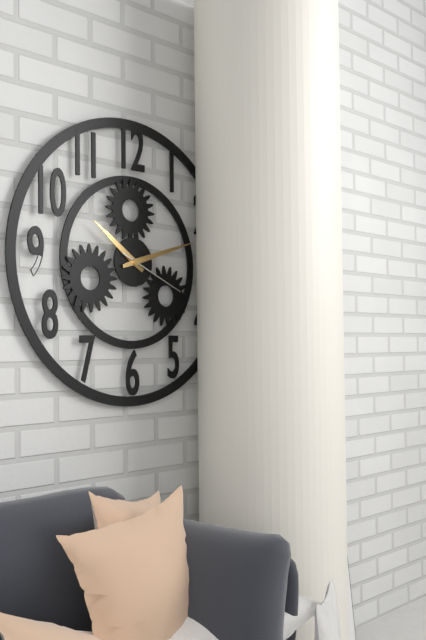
10h12m19s
